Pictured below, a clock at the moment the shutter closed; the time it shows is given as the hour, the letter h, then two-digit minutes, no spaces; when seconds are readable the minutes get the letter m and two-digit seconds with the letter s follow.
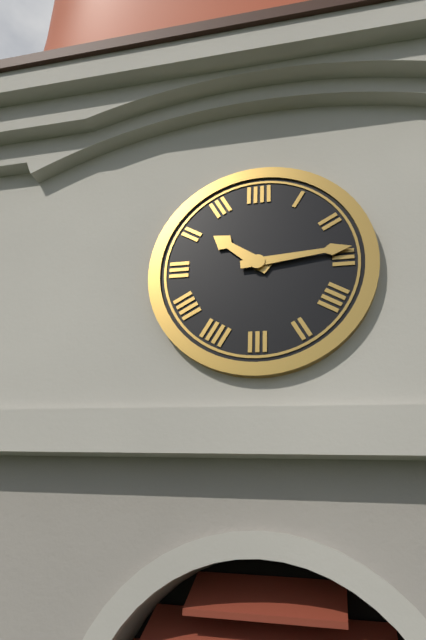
10h14
